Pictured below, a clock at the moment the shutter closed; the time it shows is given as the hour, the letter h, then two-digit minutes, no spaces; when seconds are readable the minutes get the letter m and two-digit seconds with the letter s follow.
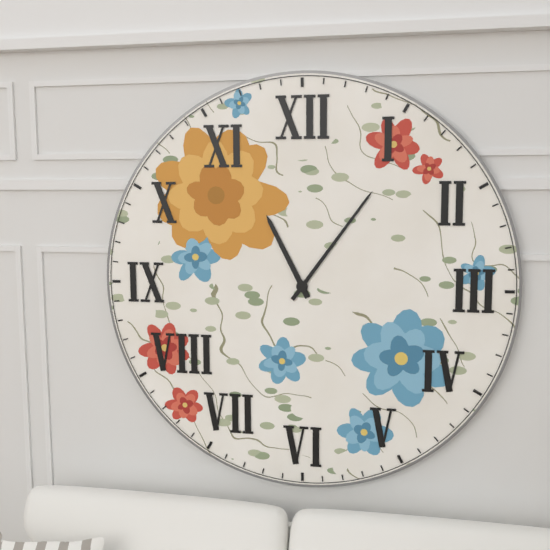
11h06
